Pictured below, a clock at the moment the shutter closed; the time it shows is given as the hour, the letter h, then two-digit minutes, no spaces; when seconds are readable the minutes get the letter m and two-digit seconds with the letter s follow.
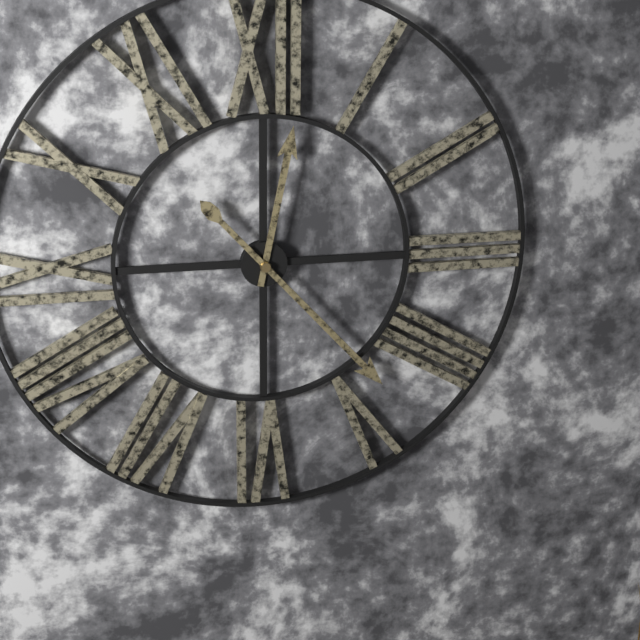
12h23
